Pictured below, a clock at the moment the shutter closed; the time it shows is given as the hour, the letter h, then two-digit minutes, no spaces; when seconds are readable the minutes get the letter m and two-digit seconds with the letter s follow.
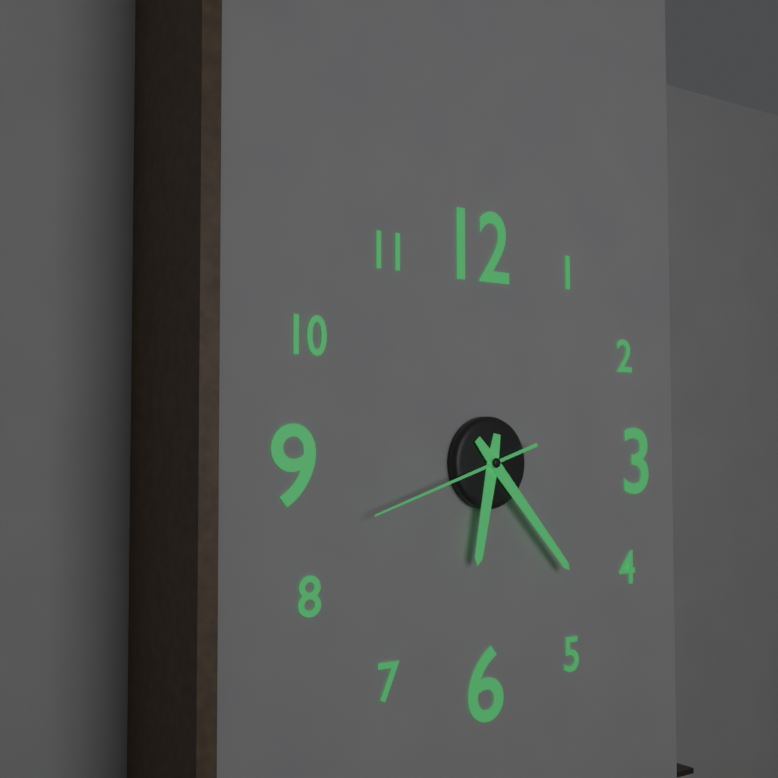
6h23m42s
